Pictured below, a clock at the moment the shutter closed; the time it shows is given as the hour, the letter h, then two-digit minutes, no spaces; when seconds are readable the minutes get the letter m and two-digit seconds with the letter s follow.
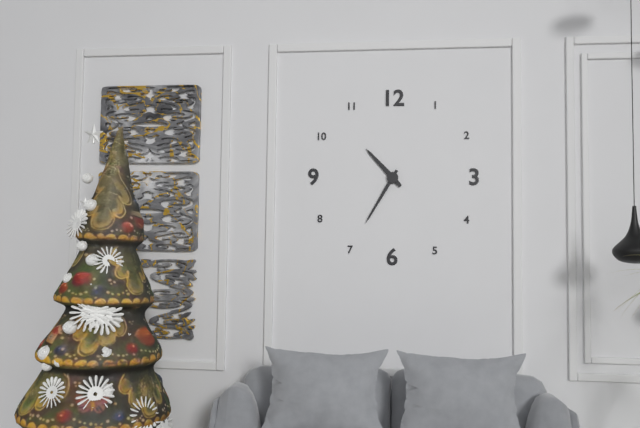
10h35
